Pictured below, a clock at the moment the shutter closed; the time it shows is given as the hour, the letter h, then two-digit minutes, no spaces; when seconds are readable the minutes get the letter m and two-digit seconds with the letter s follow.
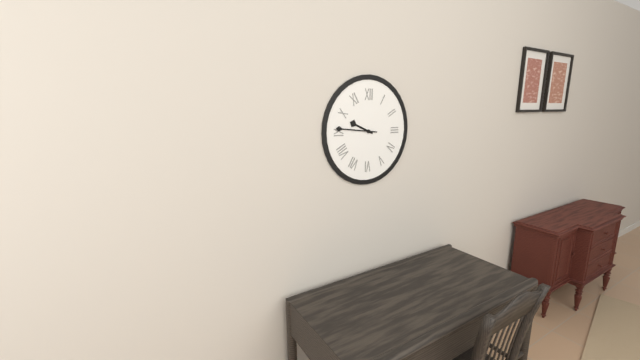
9h46
